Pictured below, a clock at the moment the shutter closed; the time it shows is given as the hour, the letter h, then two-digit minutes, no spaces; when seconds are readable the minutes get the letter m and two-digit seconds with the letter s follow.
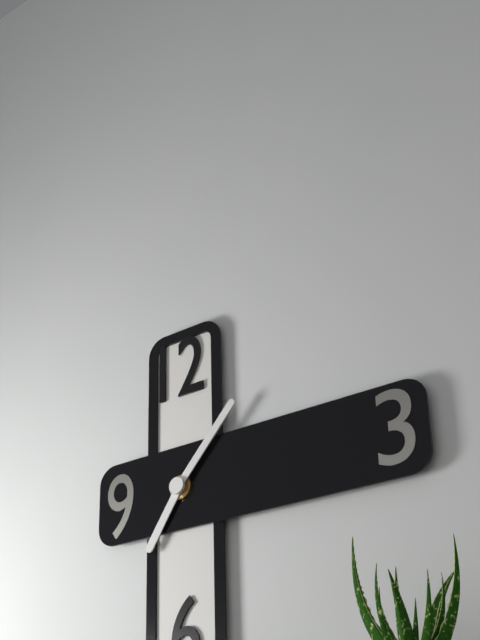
7h07
